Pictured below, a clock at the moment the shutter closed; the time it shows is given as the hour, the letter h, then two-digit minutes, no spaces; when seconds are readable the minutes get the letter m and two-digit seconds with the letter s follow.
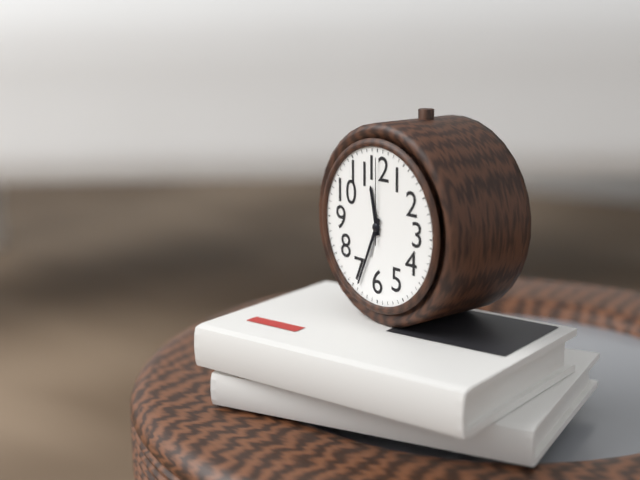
11h34m00s
